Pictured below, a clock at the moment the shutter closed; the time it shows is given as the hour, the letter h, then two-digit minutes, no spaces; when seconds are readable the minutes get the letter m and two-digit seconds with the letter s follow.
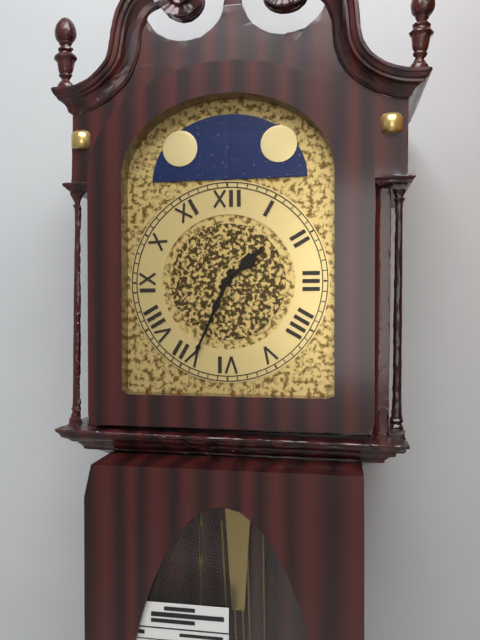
1h34
